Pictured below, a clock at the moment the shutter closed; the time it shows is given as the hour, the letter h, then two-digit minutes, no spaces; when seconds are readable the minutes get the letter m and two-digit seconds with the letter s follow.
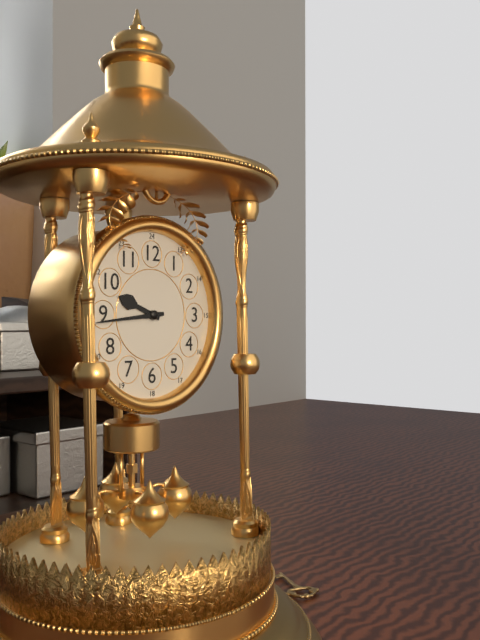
9h44
